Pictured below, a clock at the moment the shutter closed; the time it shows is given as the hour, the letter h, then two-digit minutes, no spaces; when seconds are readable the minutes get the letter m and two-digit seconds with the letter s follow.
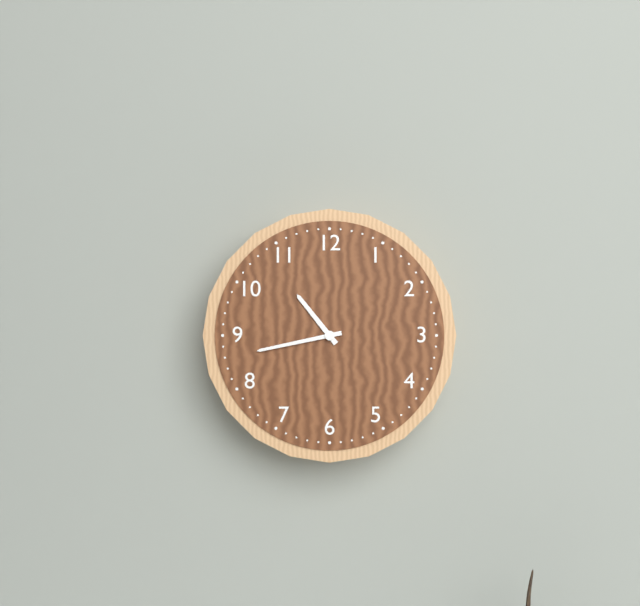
10h43
